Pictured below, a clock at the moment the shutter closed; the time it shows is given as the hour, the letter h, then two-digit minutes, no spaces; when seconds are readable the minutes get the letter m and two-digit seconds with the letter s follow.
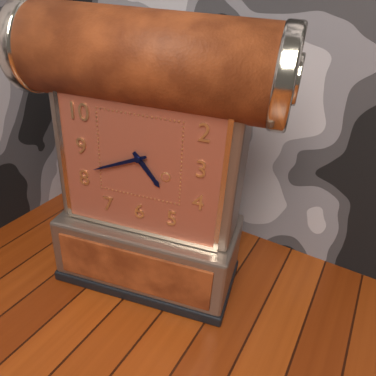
4h41
